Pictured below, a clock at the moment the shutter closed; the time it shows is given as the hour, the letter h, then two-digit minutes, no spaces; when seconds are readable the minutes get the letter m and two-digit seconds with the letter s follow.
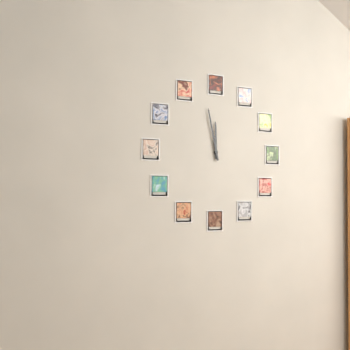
11h58
